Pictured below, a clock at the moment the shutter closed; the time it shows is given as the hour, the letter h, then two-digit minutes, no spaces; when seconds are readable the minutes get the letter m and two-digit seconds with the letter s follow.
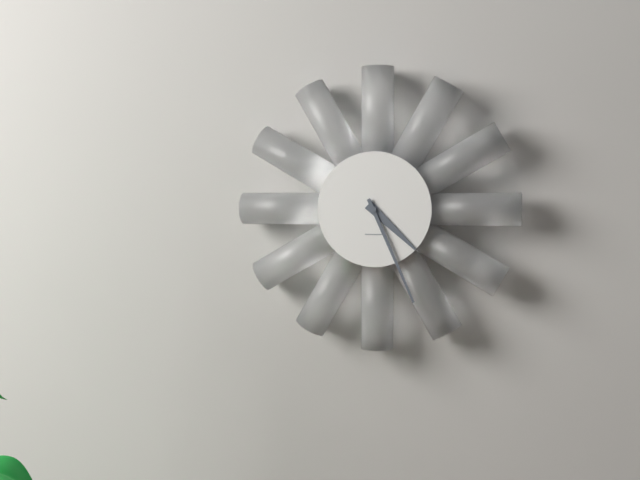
4h26
